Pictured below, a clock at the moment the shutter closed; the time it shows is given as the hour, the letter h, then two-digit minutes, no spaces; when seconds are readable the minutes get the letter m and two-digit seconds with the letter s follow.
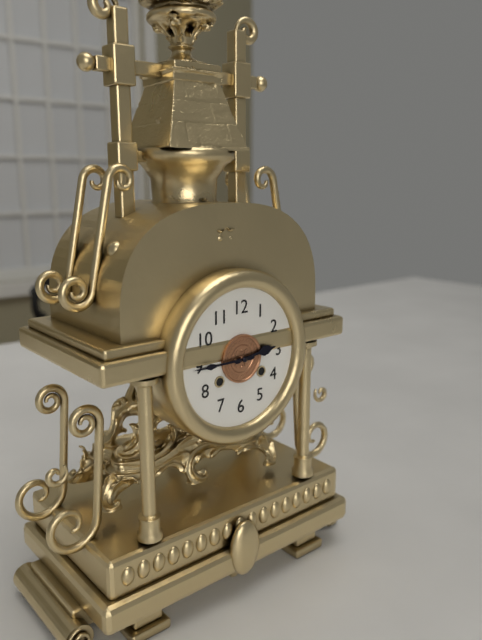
2h45
